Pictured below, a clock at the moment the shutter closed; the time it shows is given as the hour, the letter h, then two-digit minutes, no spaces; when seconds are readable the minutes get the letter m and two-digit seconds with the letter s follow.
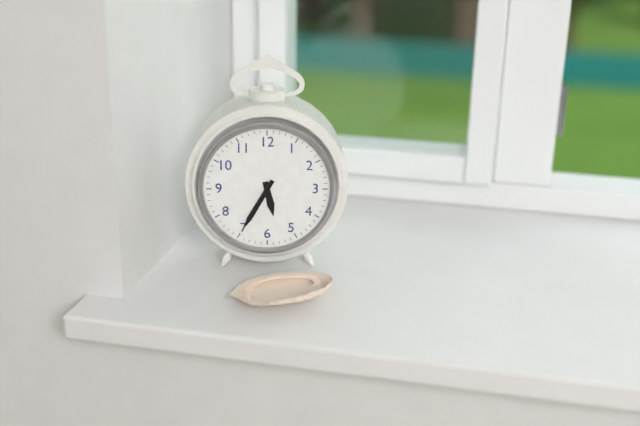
5h35
